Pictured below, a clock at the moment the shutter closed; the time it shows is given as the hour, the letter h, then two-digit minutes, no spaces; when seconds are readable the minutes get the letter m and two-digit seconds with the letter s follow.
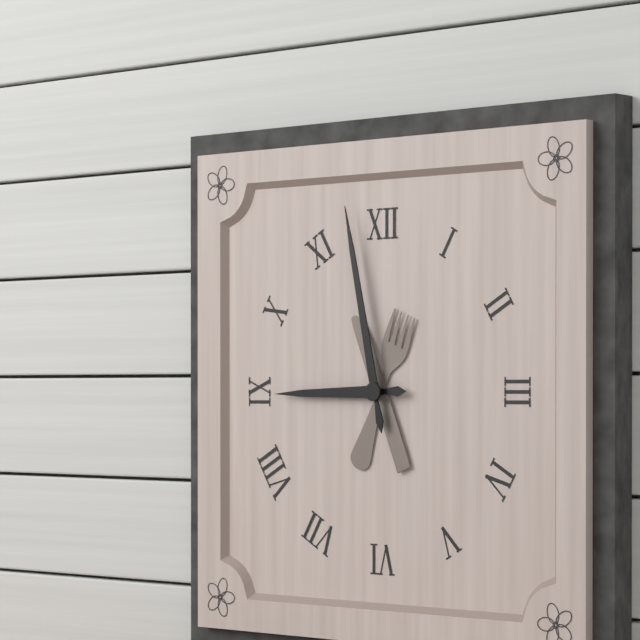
8h58
